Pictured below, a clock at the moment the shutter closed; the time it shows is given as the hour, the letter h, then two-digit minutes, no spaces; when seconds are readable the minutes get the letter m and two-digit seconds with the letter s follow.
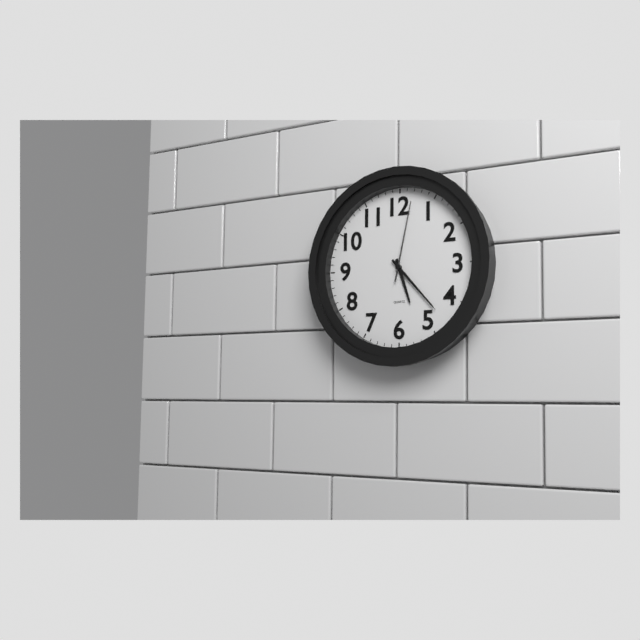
5h23m02s
